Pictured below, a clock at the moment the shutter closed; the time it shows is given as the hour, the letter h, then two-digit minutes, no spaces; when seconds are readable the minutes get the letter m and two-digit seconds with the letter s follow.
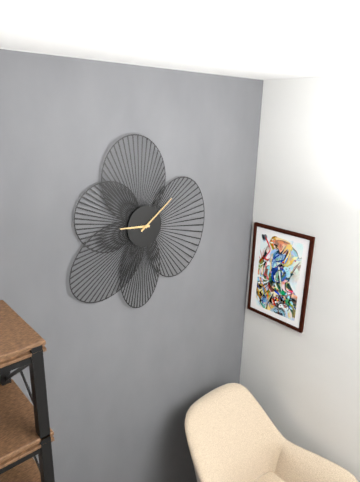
9h09
